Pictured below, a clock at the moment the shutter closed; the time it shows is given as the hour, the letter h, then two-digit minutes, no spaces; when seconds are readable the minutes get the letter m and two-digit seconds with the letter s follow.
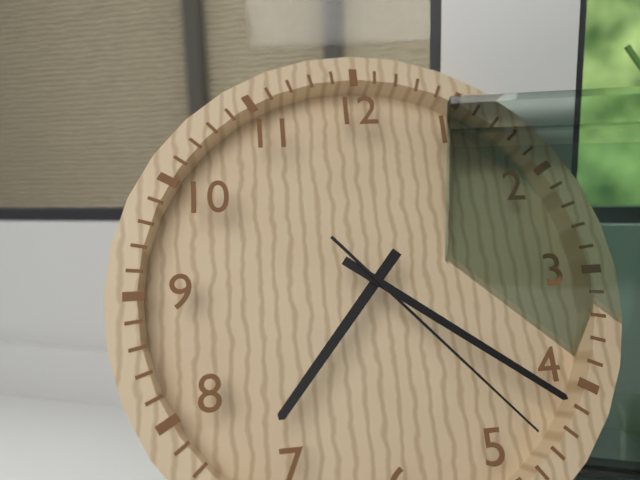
7h21m23s
